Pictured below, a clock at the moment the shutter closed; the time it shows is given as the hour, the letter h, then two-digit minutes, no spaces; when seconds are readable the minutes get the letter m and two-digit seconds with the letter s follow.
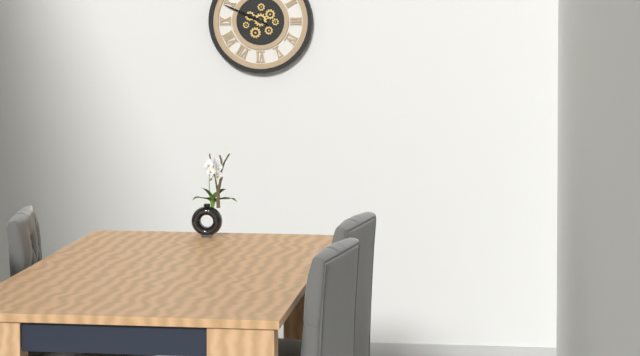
9h49
